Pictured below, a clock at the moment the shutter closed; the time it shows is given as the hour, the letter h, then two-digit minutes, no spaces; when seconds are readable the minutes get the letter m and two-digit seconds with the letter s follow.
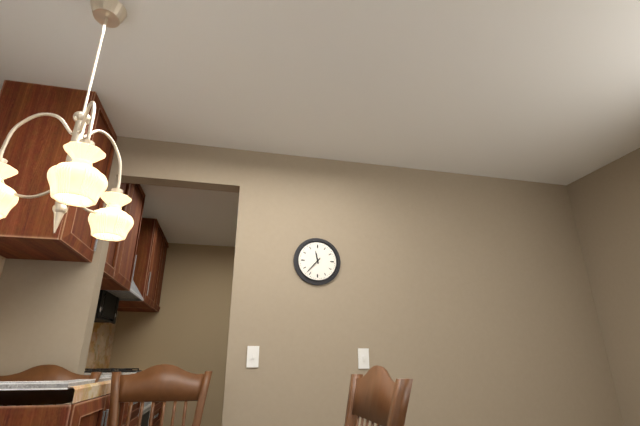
11h37
